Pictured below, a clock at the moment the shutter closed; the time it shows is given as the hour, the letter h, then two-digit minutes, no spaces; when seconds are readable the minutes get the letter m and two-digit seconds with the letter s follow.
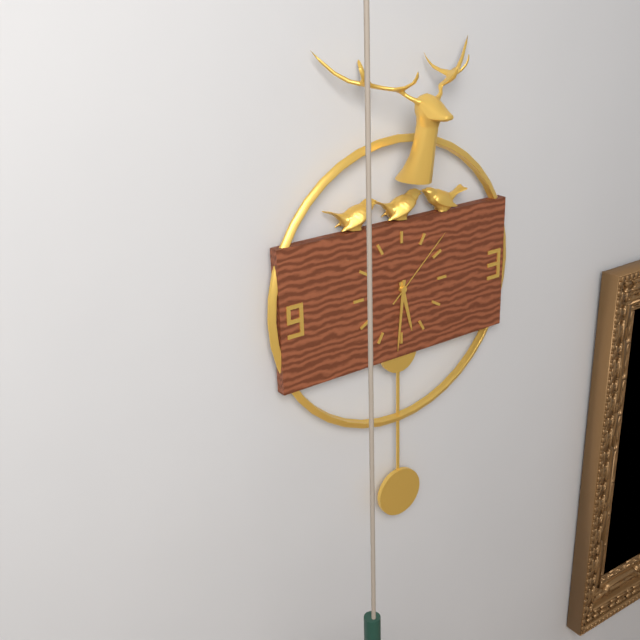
5h31m08s
